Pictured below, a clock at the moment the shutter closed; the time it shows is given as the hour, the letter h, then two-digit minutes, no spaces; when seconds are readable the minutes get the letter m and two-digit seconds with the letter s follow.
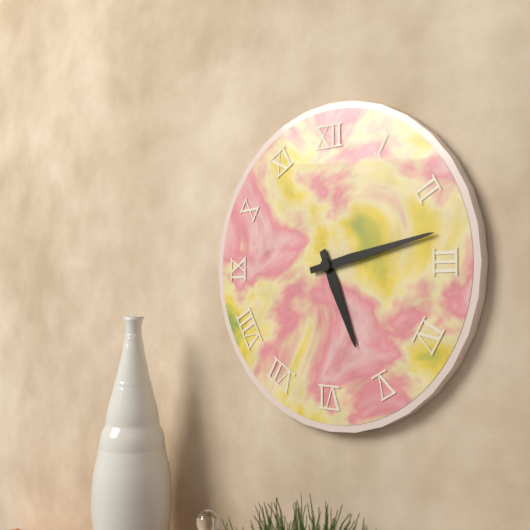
5h13
